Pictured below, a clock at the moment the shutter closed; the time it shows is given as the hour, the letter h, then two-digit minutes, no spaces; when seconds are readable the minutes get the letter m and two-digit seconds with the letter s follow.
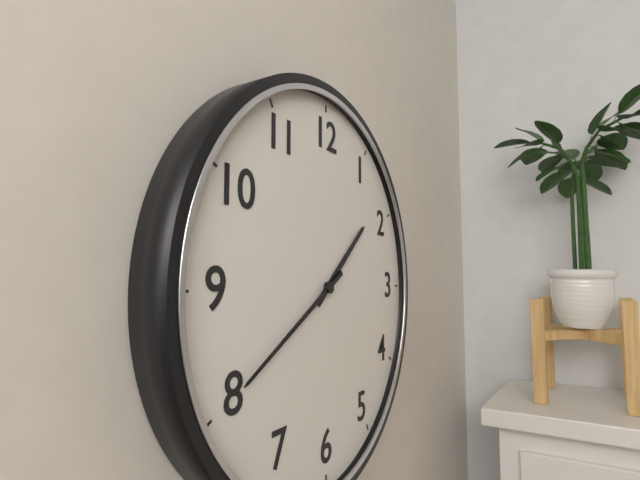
1h40
